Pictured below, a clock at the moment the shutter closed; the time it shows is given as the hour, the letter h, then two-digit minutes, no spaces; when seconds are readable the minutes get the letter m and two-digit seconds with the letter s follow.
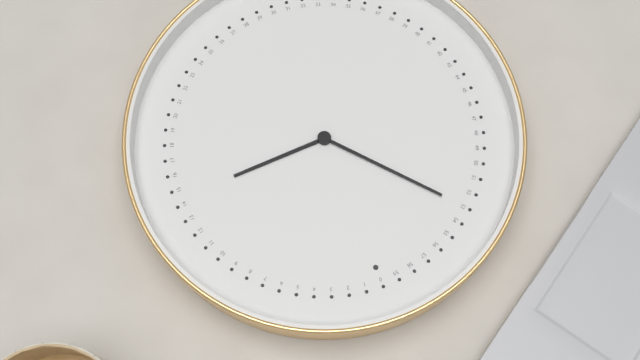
2h53
